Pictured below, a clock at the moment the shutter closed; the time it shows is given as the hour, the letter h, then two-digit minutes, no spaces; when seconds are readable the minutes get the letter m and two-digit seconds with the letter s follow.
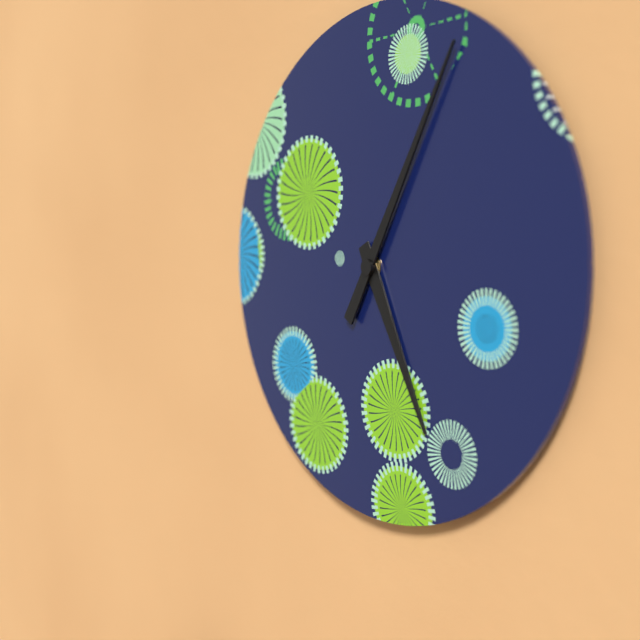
5h05
